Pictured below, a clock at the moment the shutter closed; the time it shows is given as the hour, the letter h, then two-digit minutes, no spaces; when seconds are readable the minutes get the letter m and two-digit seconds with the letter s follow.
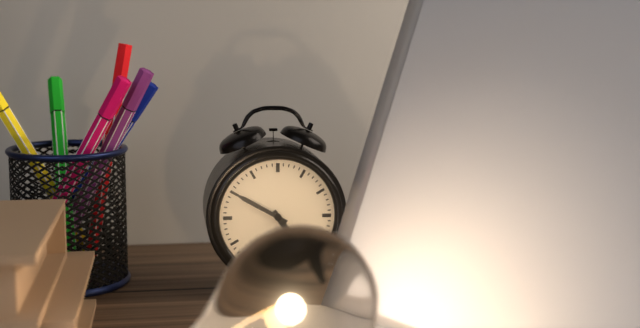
4h50
